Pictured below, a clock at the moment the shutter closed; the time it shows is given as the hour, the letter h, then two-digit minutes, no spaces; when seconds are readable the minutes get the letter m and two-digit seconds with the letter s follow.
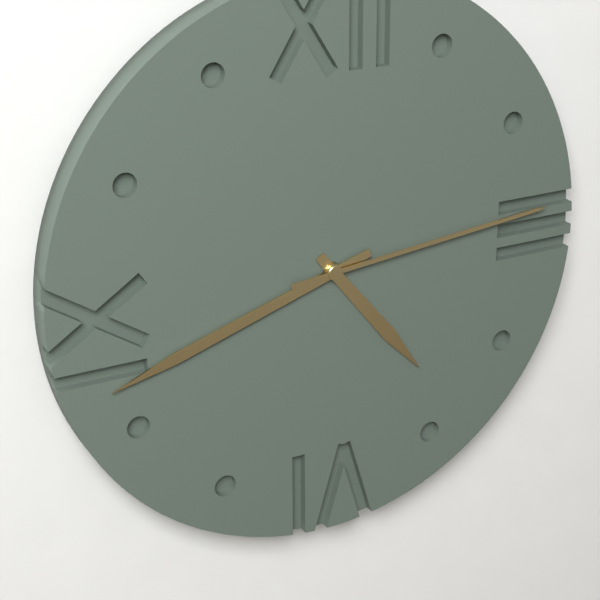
4h42m14s
